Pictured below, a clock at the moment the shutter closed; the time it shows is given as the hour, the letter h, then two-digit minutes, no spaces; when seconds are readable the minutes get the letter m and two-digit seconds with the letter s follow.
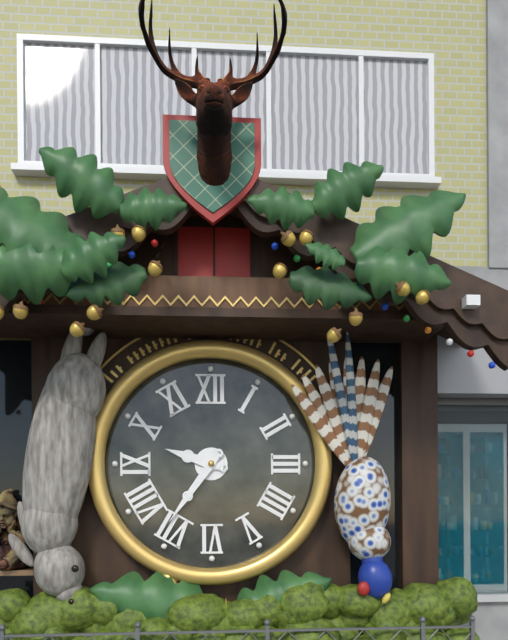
9h36
